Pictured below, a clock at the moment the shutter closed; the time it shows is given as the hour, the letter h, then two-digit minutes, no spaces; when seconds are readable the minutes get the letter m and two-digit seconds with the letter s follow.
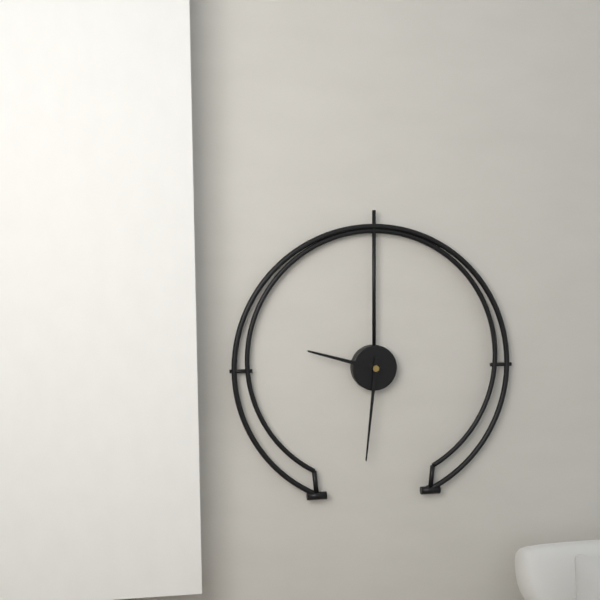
9h31
